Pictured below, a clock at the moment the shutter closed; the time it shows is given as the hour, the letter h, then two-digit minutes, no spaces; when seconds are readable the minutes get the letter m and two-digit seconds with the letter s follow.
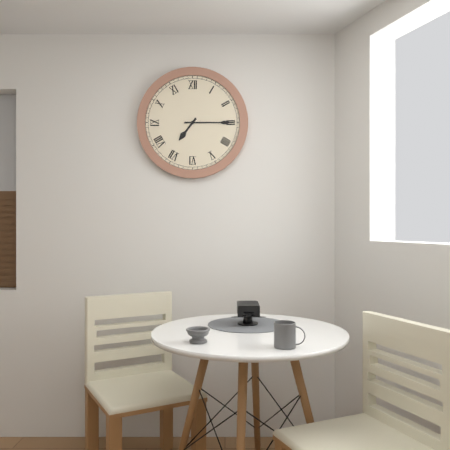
7h15
